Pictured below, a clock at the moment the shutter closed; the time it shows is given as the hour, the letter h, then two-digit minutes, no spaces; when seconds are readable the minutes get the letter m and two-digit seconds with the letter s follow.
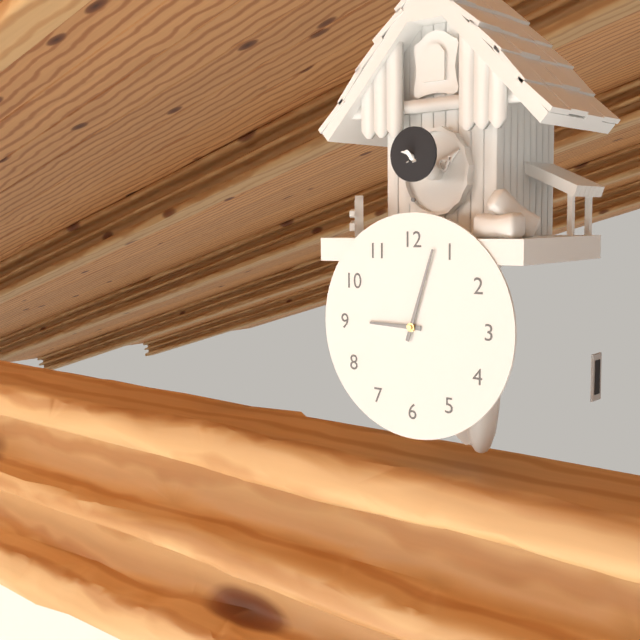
9h03
